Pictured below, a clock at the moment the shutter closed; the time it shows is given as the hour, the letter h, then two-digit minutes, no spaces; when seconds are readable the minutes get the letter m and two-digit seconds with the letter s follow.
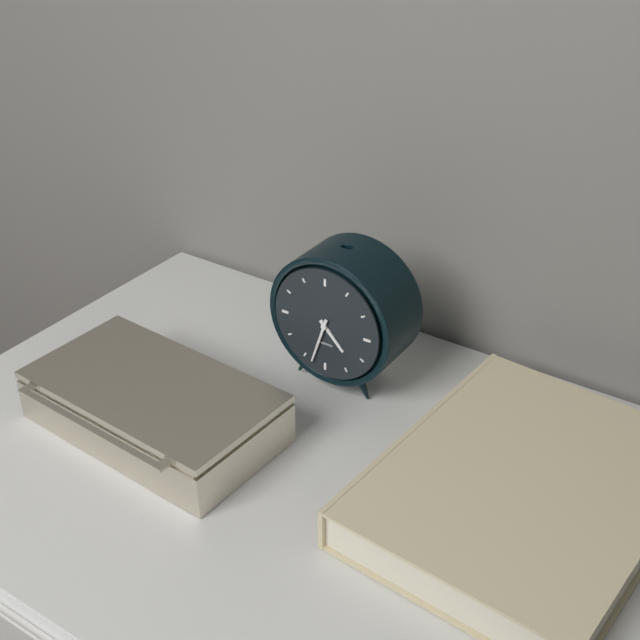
4h33
